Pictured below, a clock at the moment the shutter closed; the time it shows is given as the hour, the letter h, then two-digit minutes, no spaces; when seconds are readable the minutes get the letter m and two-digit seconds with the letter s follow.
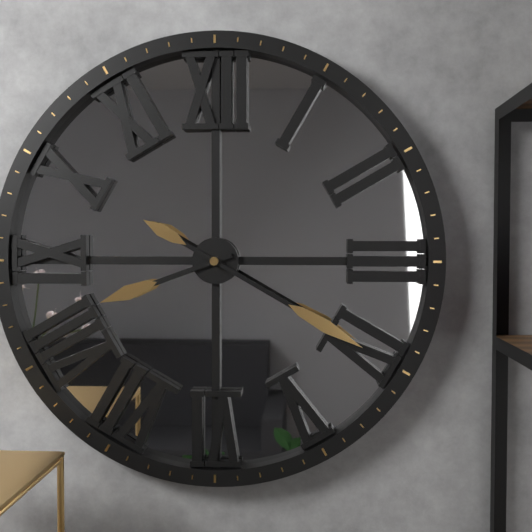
8h20
